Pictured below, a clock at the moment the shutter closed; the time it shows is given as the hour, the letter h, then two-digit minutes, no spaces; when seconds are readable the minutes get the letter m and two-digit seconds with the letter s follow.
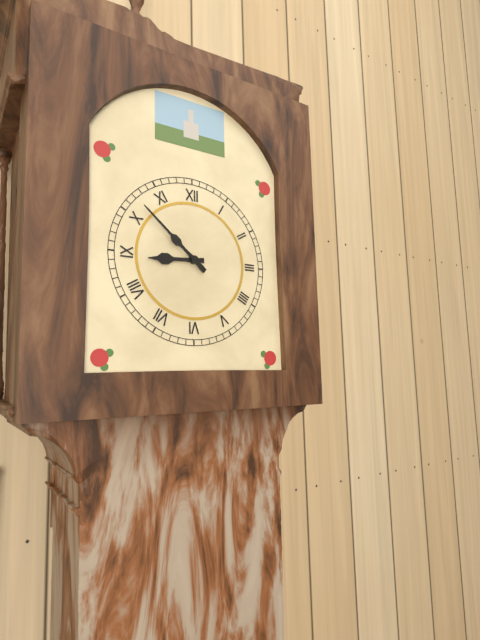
8h52
